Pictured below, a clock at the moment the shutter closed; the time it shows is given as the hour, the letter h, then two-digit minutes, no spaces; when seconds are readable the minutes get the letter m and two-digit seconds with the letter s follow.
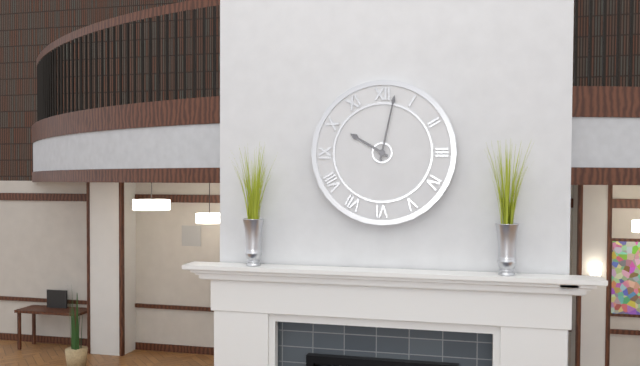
10h02
